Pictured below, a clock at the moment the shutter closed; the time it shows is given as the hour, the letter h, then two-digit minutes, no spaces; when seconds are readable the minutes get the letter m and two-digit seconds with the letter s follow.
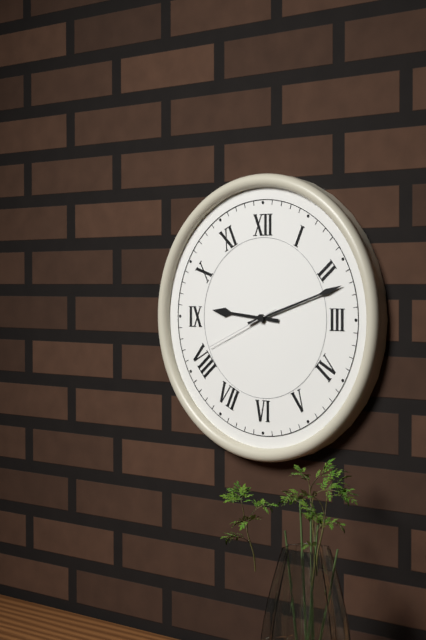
9h12m41s
